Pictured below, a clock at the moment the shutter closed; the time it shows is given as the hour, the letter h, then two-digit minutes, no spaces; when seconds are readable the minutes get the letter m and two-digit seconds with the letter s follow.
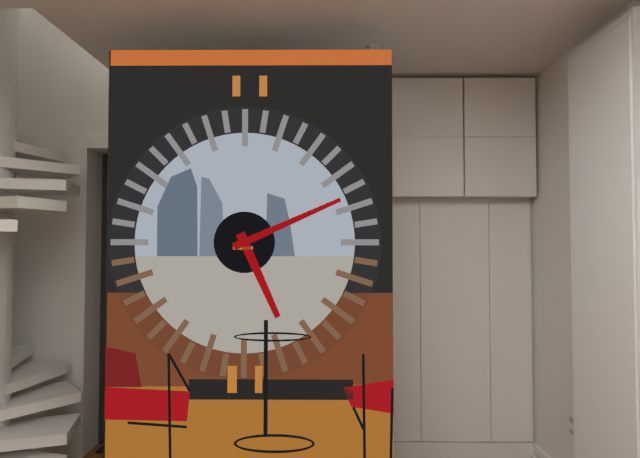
5h11
